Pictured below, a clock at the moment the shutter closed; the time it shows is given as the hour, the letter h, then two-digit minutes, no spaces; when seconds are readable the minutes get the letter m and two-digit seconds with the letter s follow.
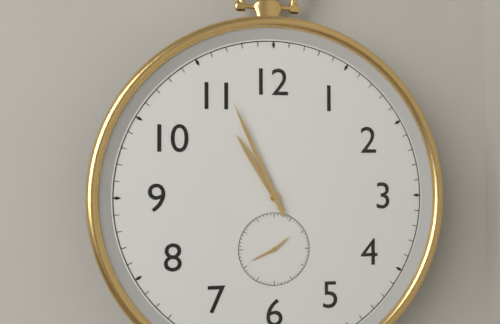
10h56
